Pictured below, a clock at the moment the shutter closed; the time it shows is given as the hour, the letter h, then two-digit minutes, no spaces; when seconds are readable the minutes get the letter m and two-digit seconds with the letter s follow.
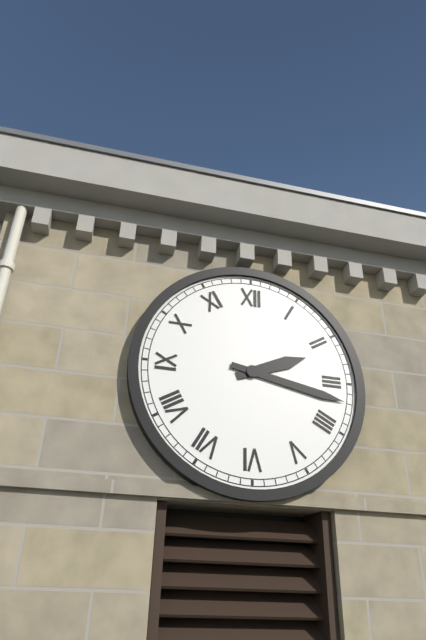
2h17
